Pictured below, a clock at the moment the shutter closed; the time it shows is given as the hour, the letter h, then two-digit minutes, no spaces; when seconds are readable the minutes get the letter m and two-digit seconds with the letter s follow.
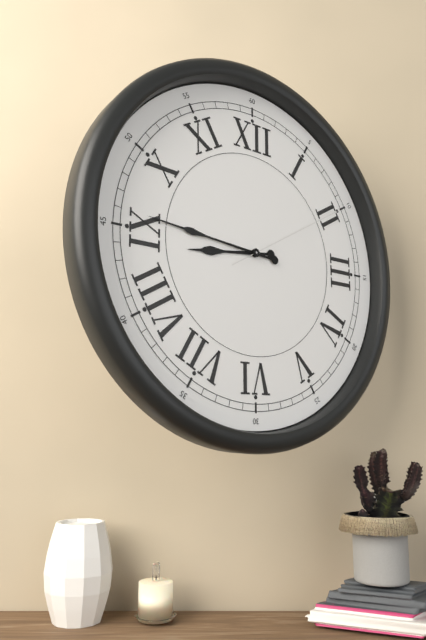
8h46m10s
